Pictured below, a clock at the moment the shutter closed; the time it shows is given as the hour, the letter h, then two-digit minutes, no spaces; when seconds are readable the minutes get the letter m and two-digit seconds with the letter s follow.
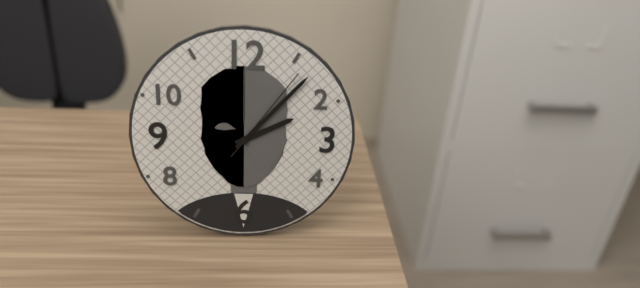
2h07m06s
